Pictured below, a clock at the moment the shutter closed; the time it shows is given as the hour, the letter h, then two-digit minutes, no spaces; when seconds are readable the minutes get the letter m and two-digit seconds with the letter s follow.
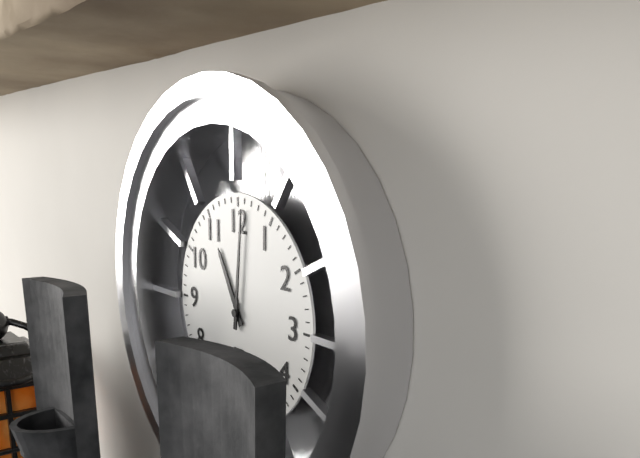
11h01
